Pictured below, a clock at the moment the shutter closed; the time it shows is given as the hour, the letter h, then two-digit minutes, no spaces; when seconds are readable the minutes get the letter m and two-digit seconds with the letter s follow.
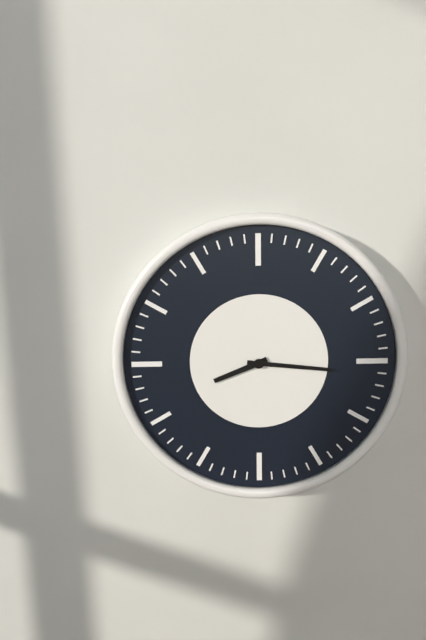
8h16
